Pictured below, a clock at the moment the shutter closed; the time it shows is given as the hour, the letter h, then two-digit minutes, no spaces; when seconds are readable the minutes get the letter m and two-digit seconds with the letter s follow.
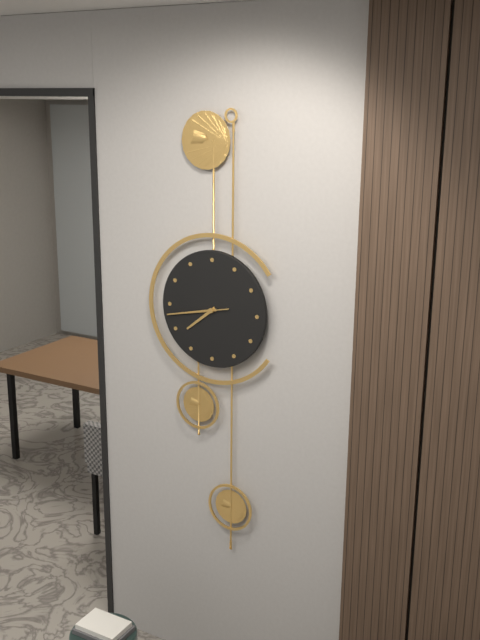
7h43m43s
